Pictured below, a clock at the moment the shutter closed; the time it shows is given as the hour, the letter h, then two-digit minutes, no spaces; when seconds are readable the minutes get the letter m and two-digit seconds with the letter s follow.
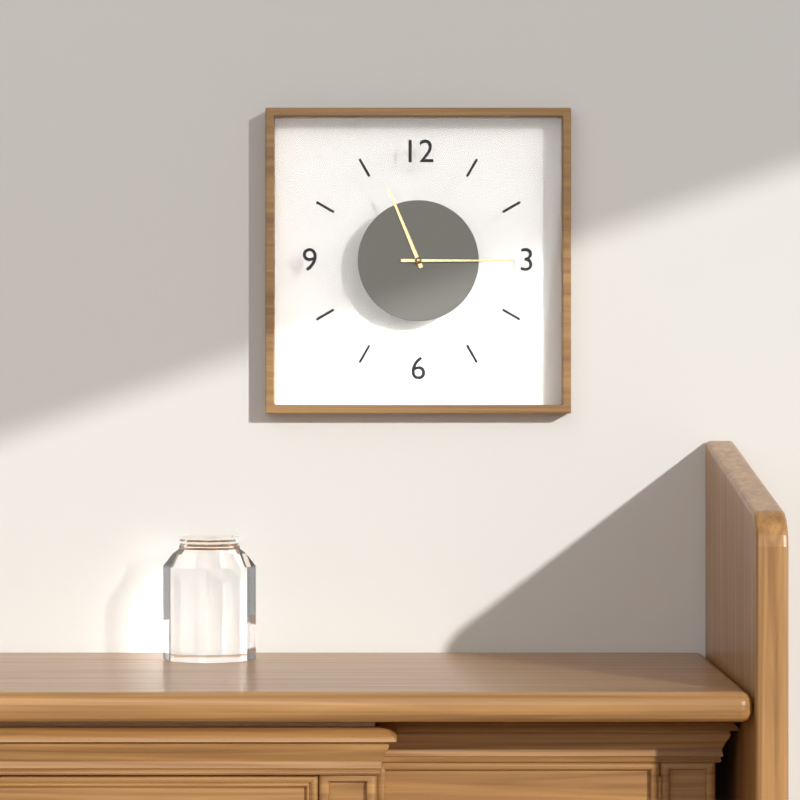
11h15
